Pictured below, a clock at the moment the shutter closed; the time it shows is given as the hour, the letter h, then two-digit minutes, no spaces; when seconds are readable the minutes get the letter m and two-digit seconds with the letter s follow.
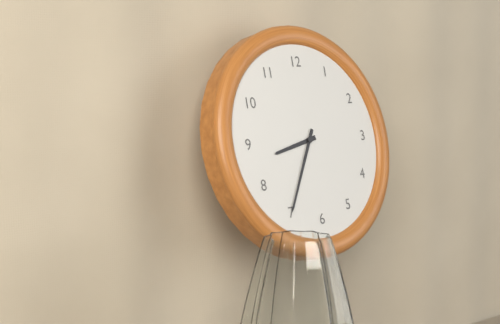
8h35
